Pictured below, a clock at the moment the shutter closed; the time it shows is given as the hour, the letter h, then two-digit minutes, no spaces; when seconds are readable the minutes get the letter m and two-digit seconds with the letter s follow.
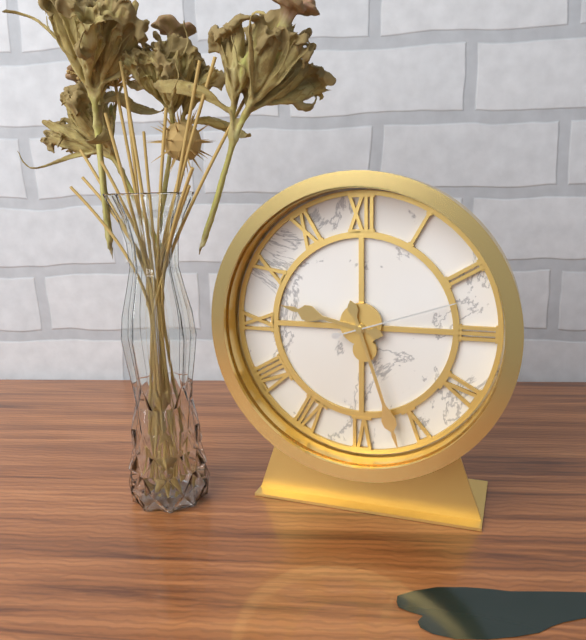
9h27m12s
